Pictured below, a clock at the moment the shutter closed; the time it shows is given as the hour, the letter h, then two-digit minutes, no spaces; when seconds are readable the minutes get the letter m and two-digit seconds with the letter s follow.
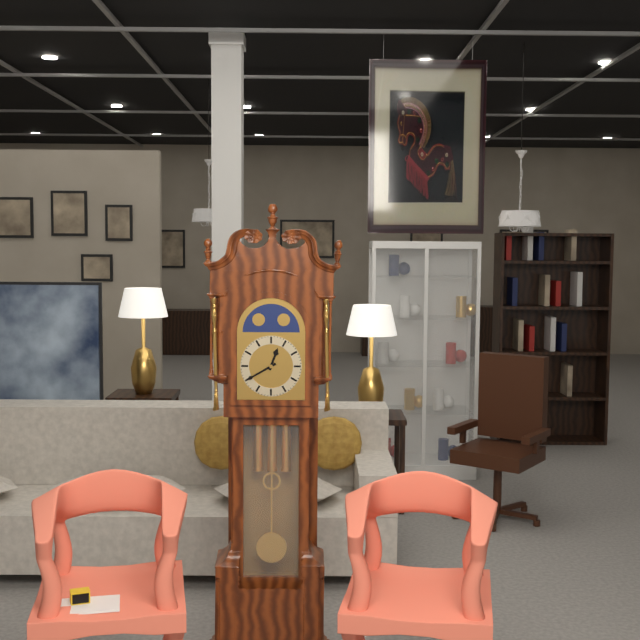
12h40
